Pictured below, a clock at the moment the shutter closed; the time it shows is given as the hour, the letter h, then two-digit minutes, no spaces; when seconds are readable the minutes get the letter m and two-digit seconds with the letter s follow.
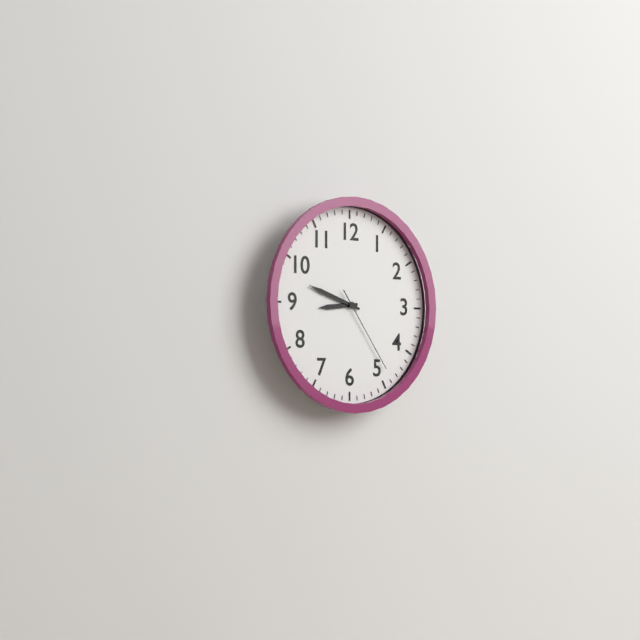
8h48m24s
